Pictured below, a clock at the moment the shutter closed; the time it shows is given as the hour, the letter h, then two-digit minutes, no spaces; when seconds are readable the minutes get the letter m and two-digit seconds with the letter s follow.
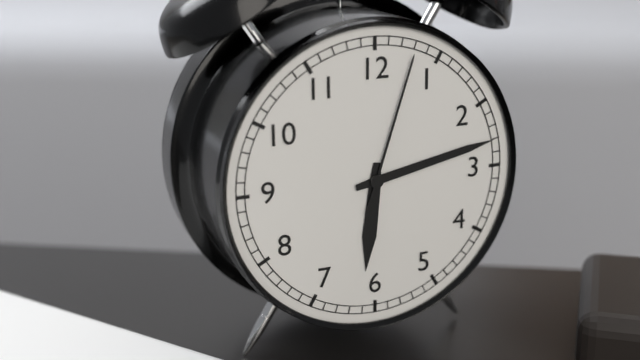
6h13m03s
